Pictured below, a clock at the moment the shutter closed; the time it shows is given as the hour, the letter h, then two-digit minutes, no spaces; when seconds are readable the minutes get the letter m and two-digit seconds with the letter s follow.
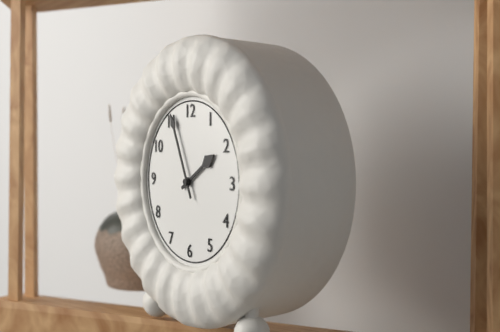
1h56
